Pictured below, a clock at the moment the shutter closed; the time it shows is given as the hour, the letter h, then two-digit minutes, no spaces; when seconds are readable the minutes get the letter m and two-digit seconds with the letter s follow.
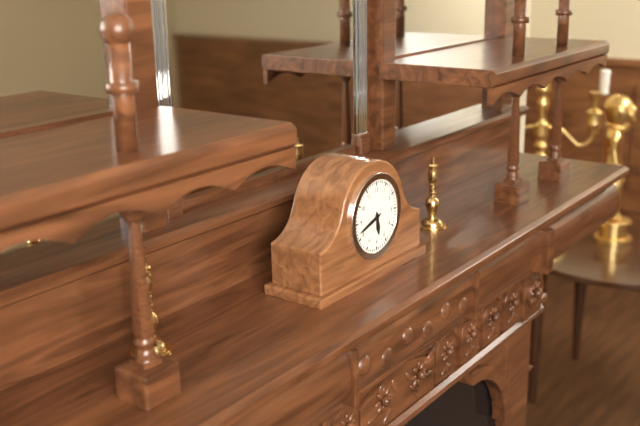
5h42
